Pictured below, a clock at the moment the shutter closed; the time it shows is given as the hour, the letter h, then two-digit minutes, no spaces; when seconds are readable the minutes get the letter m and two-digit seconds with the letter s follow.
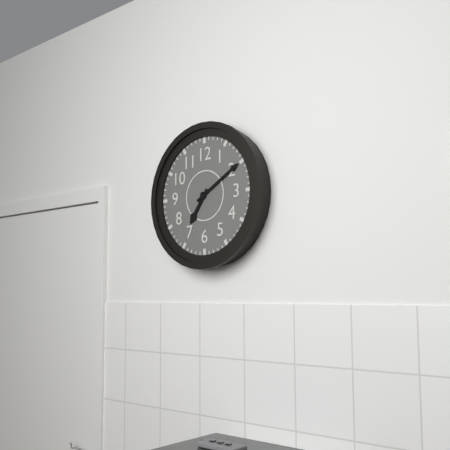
7h10
